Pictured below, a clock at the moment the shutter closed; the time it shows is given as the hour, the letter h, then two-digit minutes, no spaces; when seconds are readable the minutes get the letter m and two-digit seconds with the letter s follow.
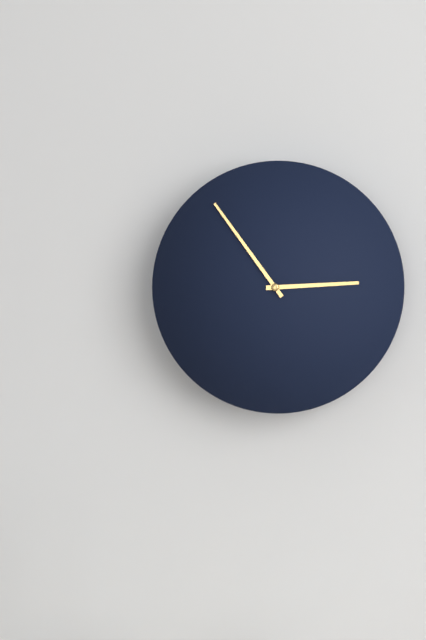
2h54
